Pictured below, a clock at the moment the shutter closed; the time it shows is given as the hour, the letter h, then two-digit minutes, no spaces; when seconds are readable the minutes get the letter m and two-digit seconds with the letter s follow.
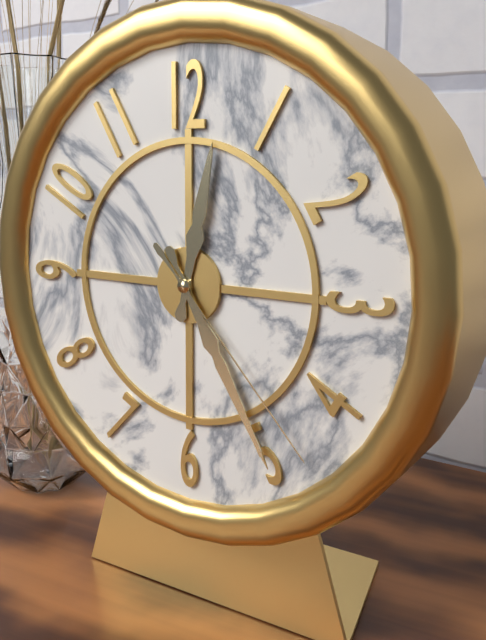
12h25m23s
